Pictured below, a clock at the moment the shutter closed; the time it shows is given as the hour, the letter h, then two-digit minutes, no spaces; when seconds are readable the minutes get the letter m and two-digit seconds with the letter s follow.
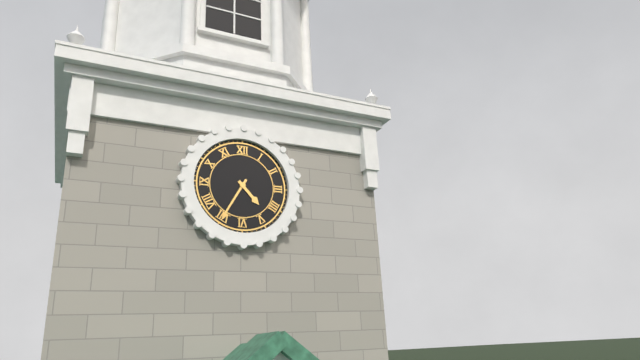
4h35
